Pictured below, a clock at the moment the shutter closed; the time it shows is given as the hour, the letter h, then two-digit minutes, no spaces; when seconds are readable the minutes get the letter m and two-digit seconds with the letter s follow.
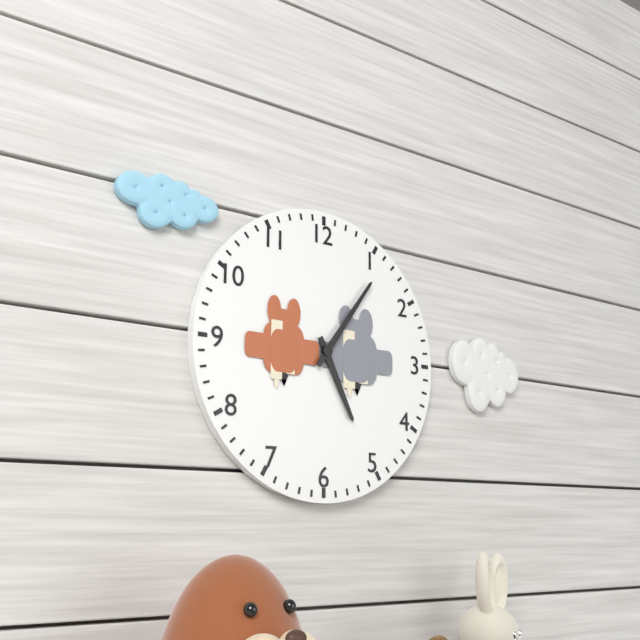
5h06
